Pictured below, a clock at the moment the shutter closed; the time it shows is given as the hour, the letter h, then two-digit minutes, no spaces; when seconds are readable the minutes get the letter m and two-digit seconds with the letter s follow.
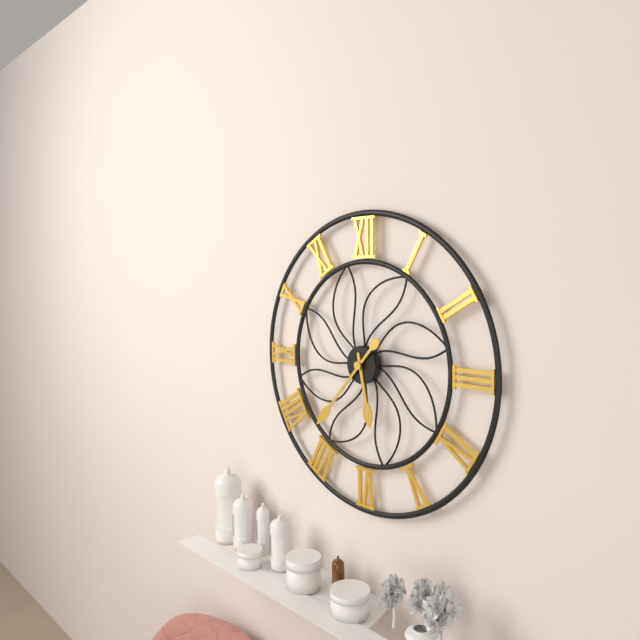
5h37
